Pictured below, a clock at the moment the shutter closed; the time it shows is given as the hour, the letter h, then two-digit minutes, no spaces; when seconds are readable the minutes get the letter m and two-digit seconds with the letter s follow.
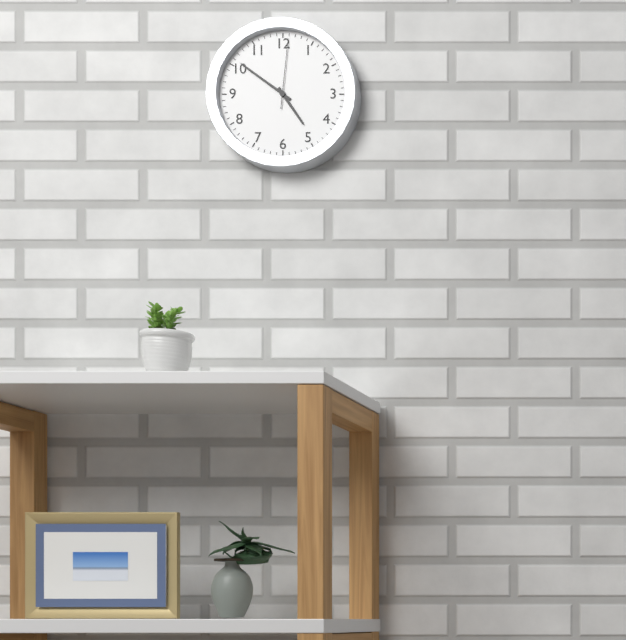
4h51m01s
